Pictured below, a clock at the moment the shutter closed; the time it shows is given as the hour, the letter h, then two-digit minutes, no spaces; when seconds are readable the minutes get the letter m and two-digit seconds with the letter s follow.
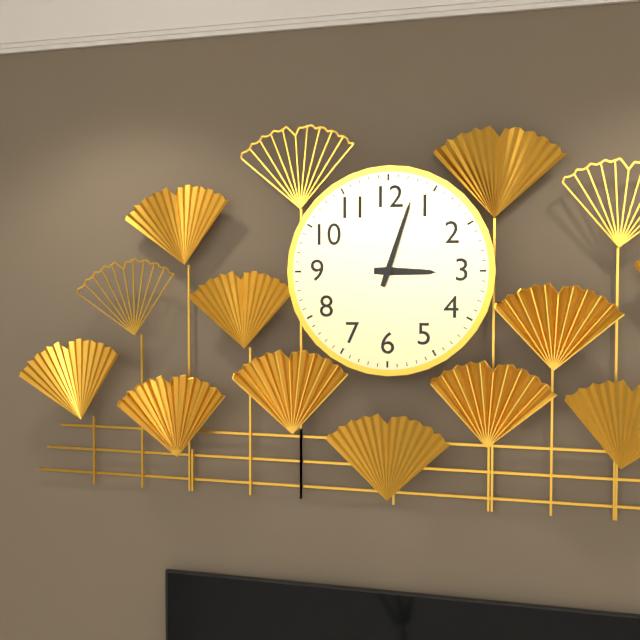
3h03
